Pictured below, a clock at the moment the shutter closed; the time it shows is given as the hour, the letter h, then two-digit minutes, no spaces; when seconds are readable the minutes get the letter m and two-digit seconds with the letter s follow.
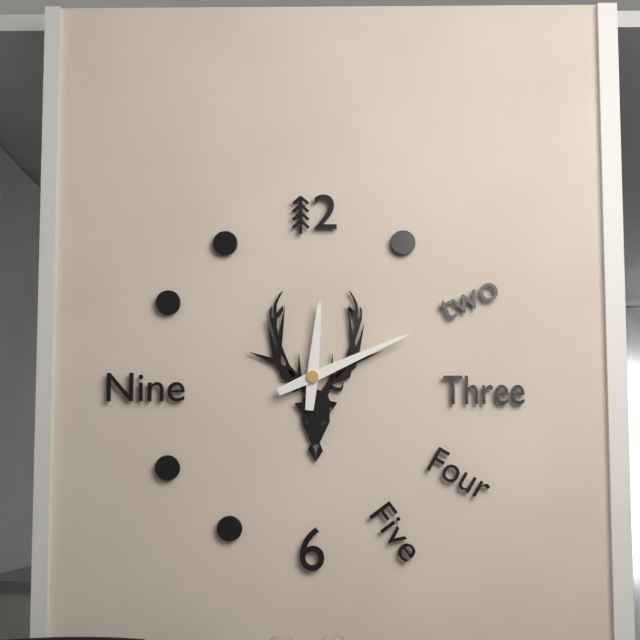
12h11
